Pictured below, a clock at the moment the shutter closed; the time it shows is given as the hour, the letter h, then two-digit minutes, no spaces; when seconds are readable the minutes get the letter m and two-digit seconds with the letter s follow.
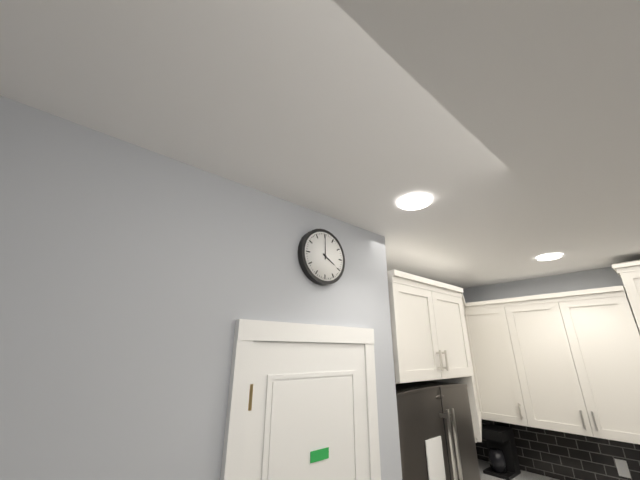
4h00
